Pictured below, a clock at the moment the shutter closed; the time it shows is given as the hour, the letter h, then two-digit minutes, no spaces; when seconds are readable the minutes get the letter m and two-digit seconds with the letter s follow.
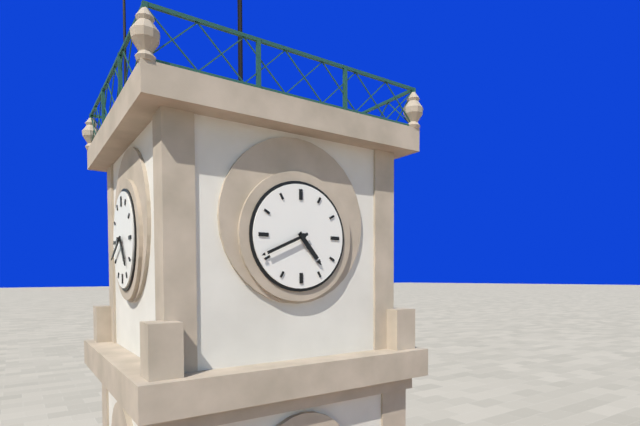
4h41
